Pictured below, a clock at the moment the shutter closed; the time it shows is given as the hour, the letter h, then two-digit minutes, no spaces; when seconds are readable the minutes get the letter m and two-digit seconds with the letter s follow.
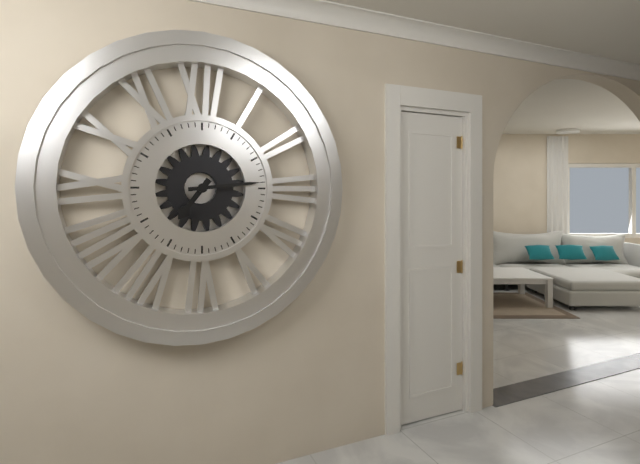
7h14
